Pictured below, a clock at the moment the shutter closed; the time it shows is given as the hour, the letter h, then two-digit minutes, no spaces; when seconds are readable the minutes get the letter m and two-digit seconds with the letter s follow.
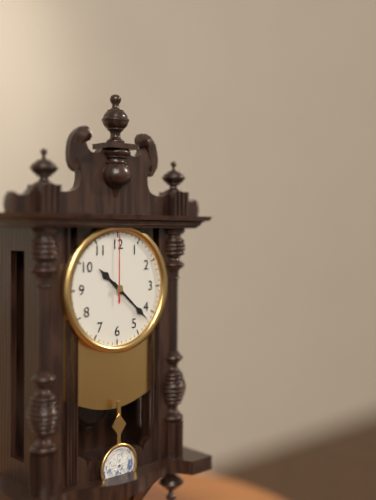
10h22m00s
